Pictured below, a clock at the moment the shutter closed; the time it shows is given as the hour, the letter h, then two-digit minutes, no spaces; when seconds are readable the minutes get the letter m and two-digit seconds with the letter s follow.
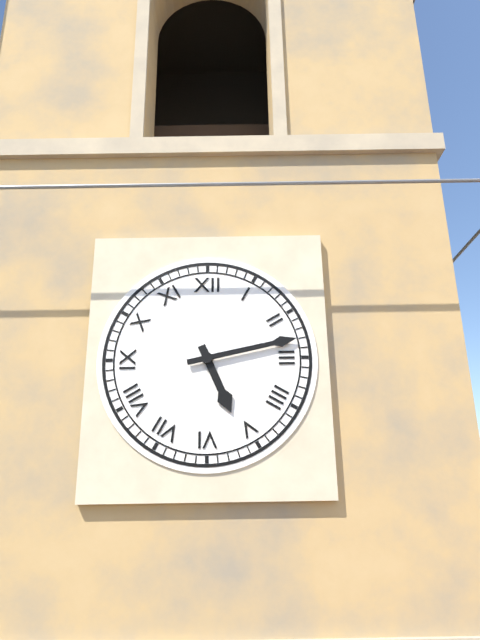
5h13
